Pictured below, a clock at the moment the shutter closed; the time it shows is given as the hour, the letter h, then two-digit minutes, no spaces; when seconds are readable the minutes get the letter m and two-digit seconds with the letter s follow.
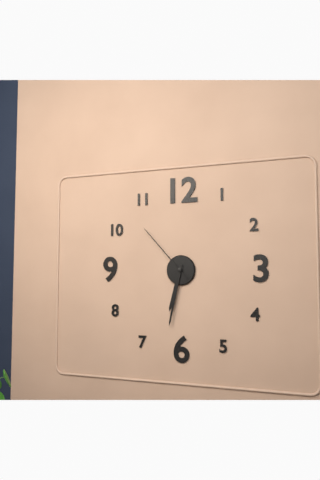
6h32m53s
